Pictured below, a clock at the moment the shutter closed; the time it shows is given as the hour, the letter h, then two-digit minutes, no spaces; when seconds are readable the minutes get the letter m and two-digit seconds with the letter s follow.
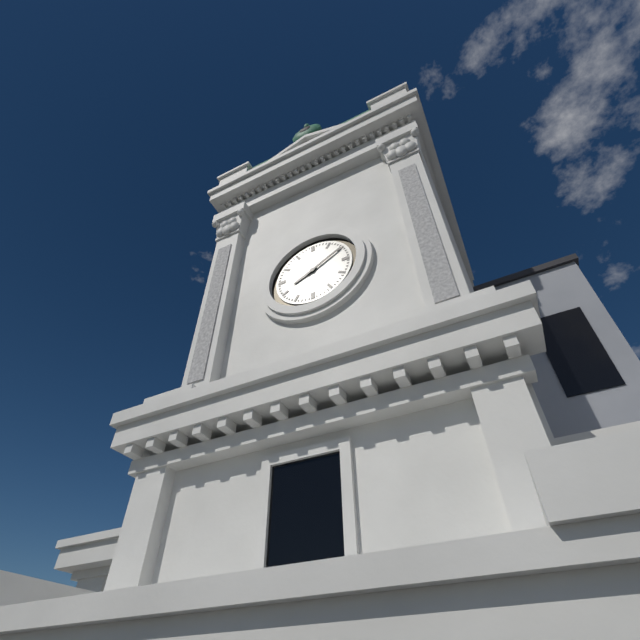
8h10
